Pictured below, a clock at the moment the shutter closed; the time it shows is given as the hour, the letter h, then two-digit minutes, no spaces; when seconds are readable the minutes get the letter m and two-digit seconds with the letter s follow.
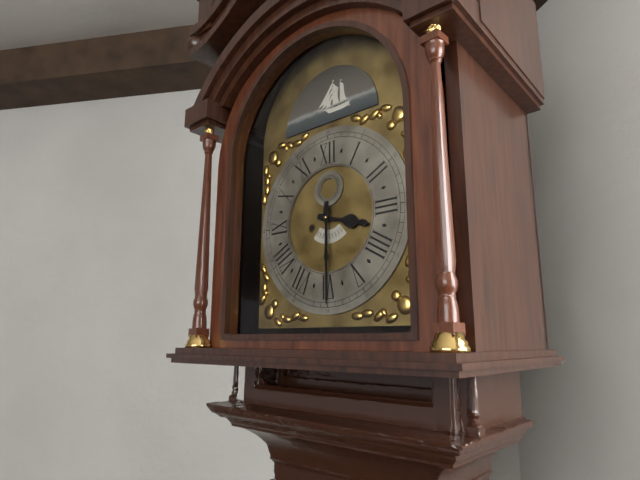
3h30
